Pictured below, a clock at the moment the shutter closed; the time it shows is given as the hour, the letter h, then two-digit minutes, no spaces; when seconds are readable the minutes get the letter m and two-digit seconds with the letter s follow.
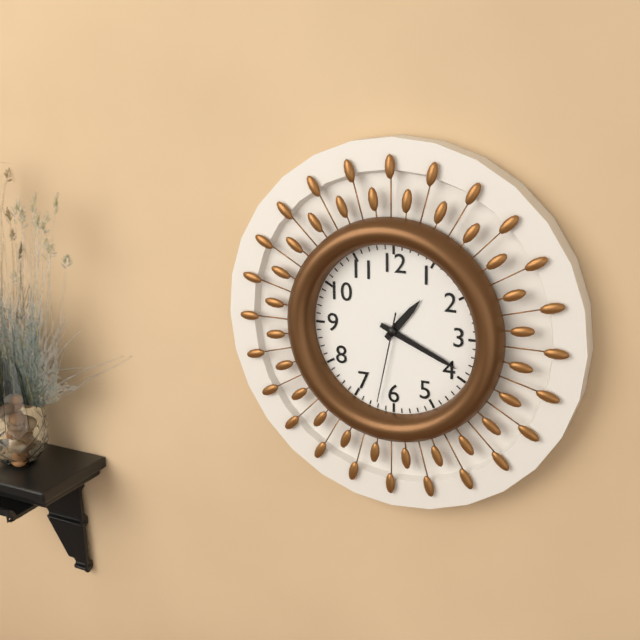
1h19m32s
